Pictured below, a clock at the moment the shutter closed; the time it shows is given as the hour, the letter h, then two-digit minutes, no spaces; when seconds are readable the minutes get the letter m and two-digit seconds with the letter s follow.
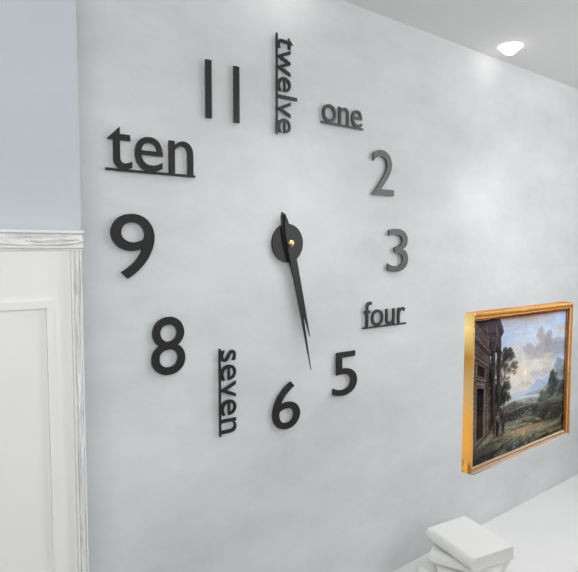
5h28
